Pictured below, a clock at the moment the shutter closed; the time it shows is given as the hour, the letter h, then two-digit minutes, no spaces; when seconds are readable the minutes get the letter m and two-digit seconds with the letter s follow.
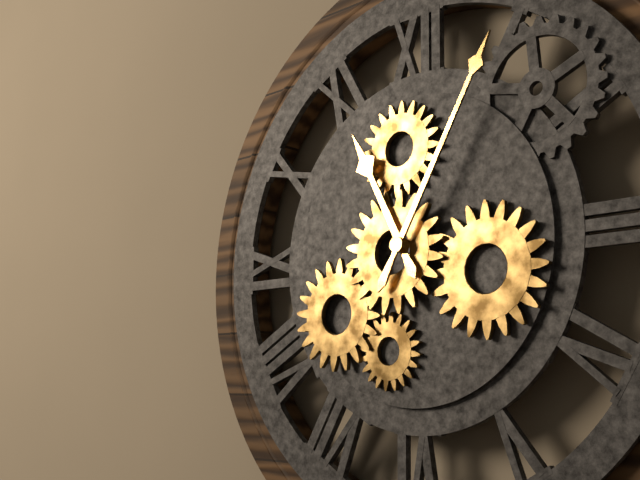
11h05
